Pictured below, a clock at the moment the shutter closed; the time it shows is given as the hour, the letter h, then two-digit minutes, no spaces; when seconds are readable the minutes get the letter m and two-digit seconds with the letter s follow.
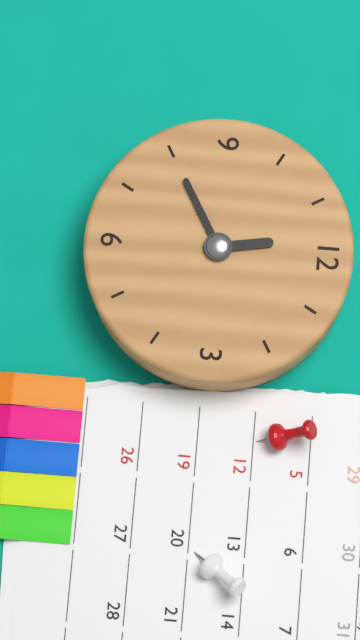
11h40
